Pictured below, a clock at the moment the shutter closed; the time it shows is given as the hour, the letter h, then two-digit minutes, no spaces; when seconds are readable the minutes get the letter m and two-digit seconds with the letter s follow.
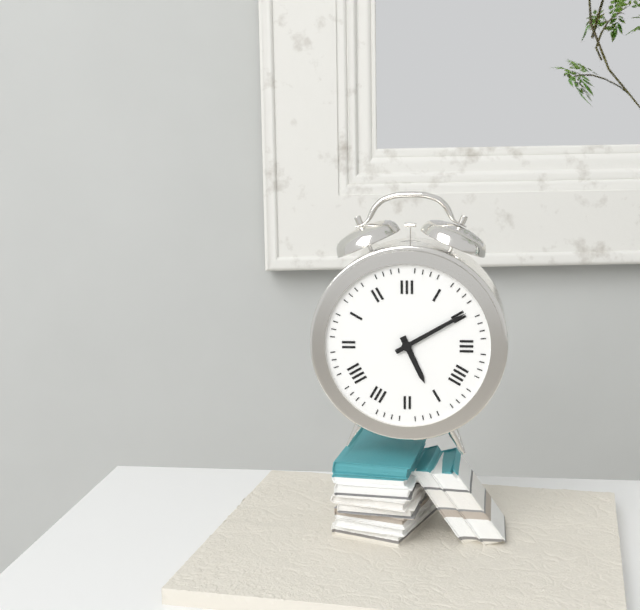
5h10
